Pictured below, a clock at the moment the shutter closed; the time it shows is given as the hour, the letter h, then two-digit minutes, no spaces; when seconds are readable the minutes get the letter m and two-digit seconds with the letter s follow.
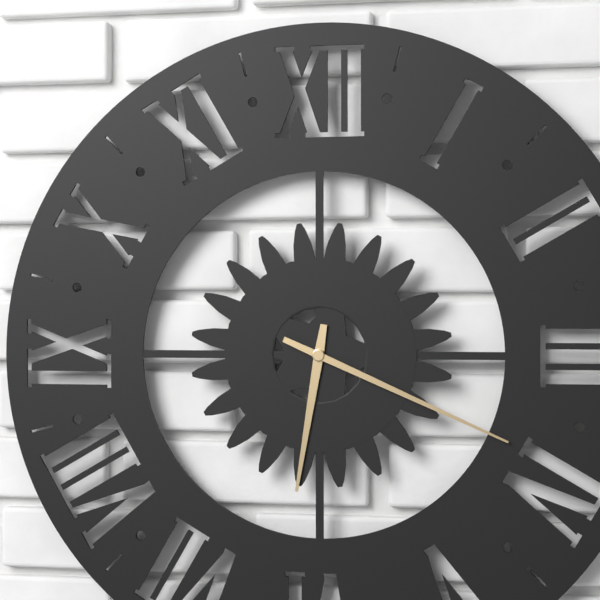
6h19
